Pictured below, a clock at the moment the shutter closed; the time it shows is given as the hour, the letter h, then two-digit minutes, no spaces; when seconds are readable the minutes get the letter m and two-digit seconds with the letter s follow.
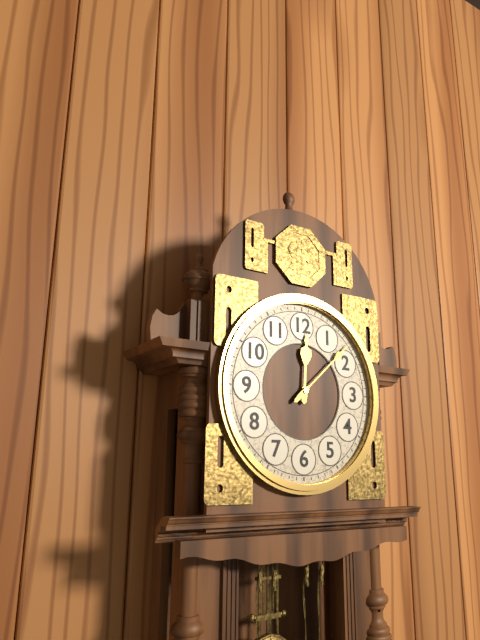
12h08
